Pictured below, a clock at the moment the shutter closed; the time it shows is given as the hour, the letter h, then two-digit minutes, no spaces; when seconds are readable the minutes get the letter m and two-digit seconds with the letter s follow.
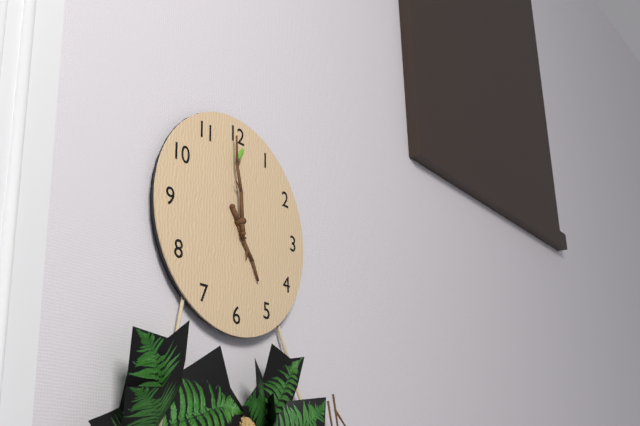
4h59
